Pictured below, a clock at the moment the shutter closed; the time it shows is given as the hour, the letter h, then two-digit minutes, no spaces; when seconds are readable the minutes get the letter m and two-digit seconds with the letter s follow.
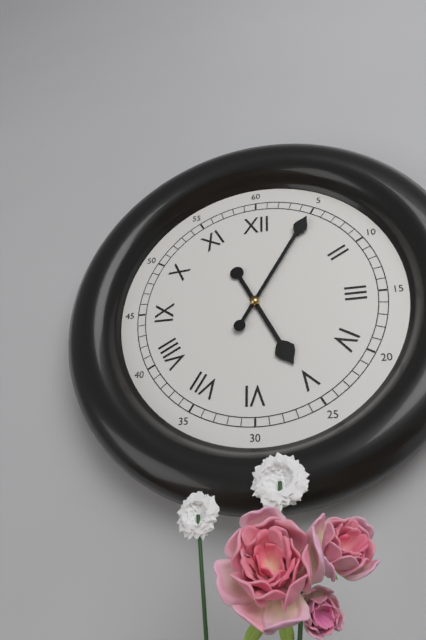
5h05
